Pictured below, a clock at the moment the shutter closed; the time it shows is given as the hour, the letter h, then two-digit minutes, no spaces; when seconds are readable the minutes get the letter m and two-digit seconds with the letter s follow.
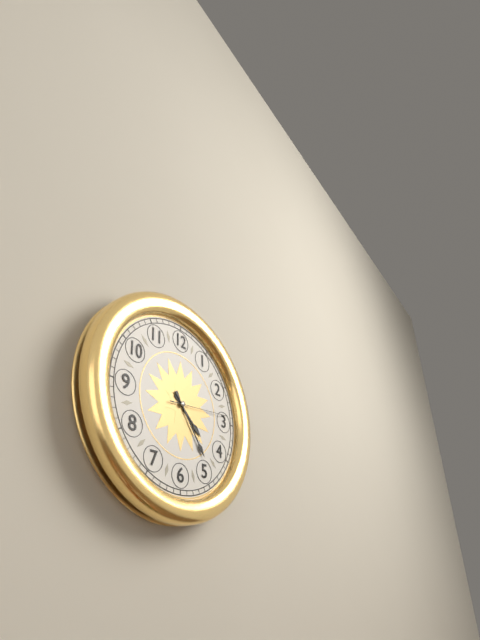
4h24m14s
